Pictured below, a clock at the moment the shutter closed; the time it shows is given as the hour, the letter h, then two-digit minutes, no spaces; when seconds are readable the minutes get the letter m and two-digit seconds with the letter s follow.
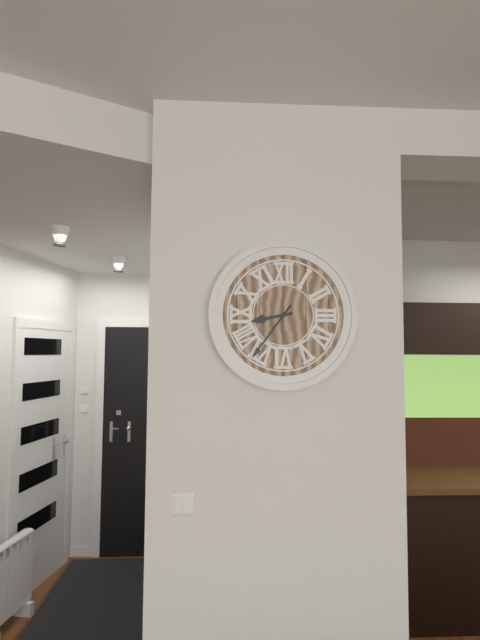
8h36
